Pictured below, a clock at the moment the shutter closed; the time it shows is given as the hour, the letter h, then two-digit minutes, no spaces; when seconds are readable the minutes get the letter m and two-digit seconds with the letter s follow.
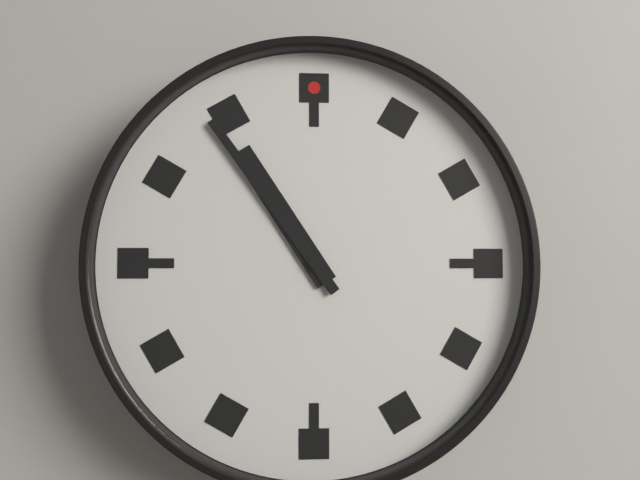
10h54
